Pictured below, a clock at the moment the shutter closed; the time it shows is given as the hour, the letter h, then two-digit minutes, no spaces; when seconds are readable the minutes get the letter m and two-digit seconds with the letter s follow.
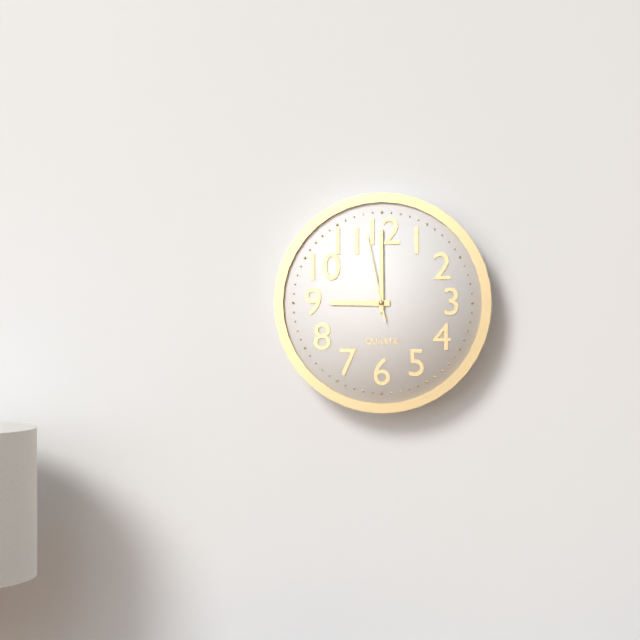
9h00m58s
